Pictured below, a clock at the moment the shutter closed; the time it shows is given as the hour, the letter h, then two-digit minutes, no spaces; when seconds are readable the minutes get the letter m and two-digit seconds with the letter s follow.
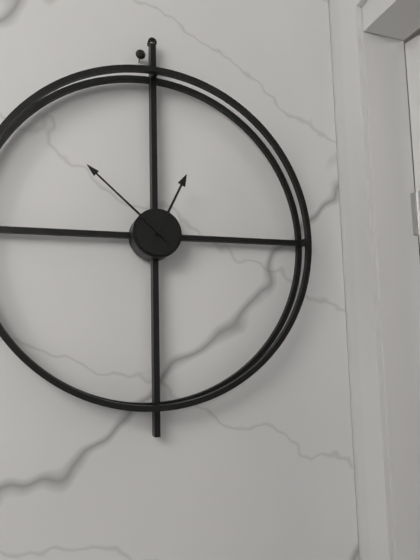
12h52
